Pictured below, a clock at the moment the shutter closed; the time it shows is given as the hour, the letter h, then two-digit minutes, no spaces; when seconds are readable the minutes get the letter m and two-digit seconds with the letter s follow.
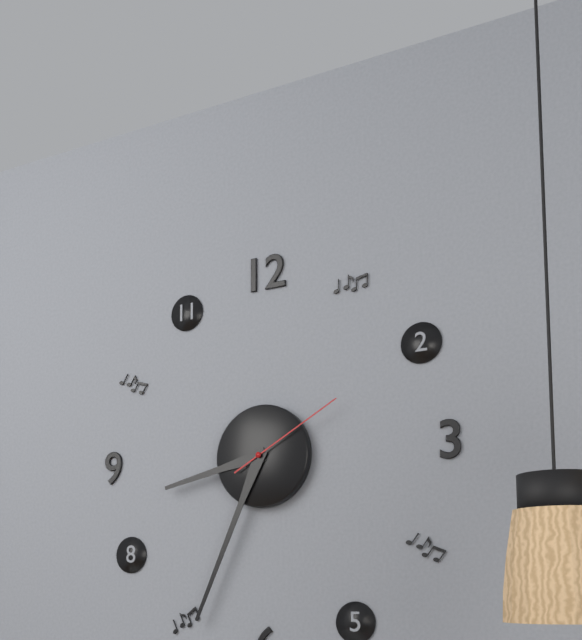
8h34m10s
